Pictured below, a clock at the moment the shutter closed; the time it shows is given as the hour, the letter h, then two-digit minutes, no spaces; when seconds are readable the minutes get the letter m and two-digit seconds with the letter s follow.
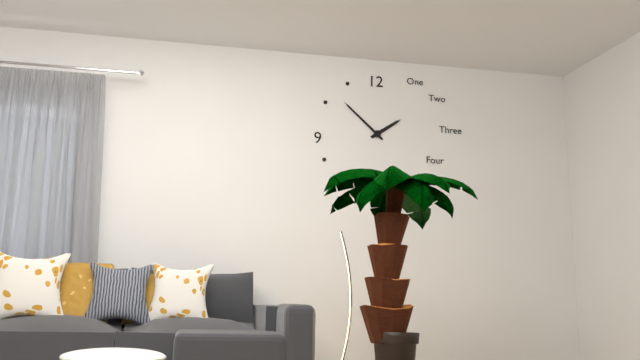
1h52
